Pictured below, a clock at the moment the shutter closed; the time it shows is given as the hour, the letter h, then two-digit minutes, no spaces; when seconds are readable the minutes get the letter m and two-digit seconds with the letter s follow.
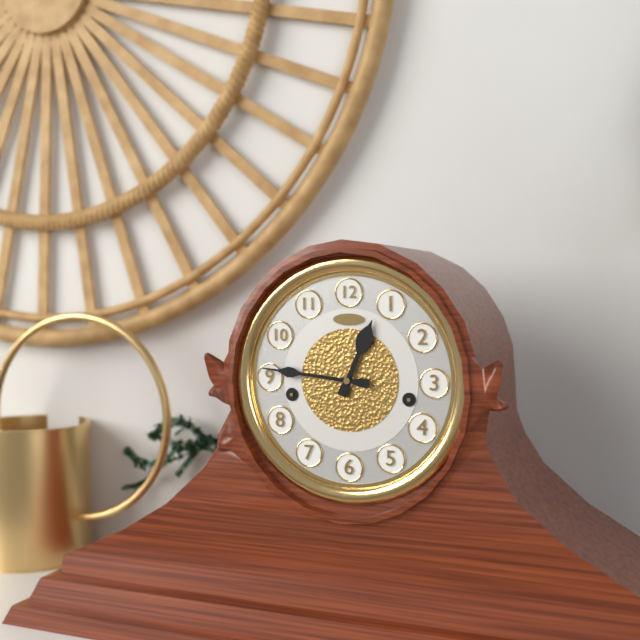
12h46
